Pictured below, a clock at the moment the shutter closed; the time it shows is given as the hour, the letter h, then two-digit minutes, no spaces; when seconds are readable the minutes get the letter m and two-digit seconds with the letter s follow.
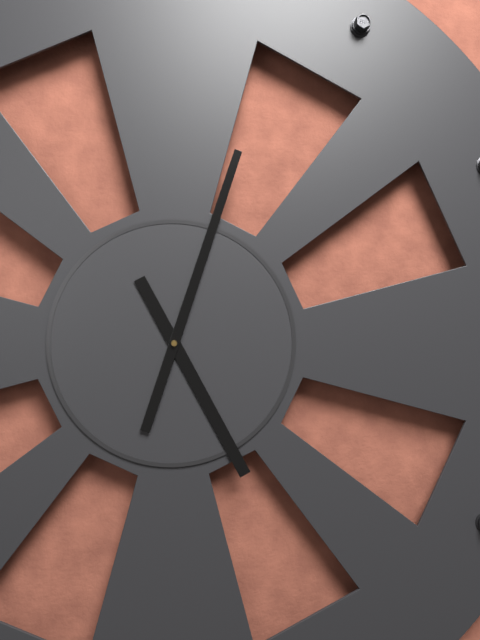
5h03
